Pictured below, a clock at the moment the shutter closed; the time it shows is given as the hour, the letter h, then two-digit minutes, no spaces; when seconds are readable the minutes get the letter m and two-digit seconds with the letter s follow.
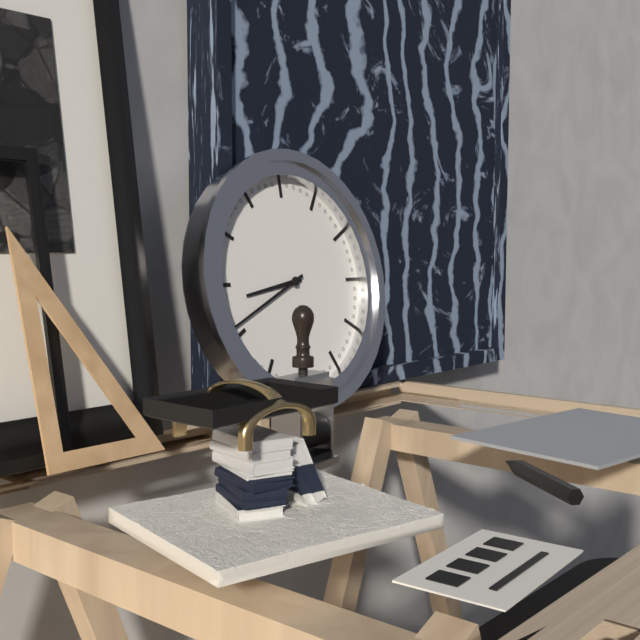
8h41
